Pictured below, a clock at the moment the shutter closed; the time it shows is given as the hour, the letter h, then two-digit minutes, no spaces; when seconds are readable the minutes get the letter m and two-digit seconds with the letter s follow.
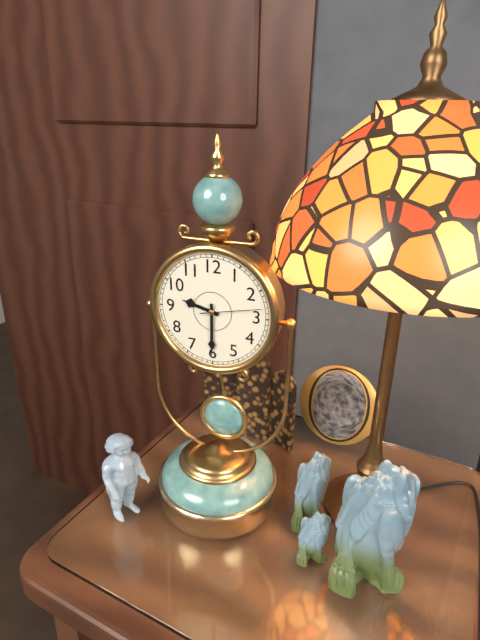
9h30m13s
